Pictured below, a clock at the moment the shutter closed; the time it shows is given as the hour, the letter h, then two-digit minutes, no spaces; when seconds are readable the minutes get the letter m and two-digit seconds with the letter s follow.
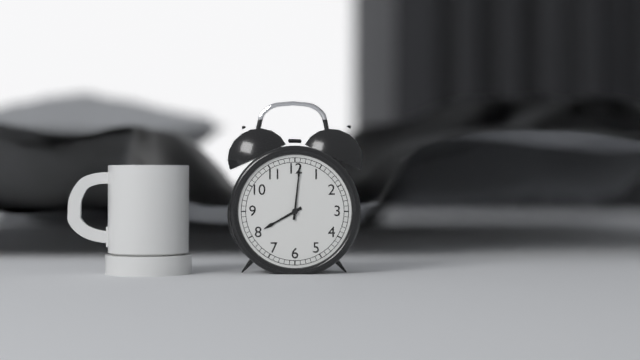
8h01
